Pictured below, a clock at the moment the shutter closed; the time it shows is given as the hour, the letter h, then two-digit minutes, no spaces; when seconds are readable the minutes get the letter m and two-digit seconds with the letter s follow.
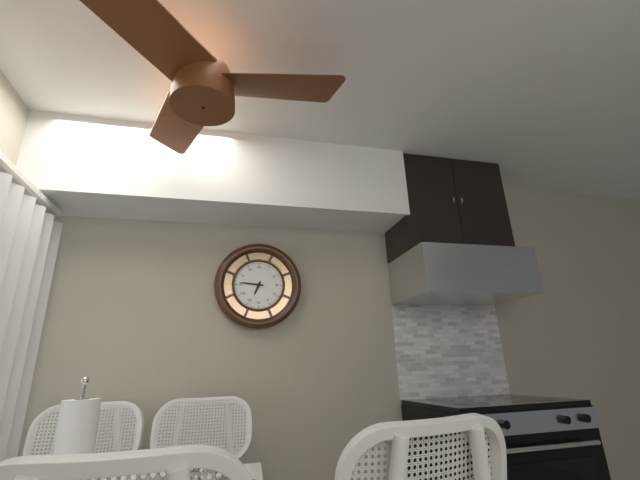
6h46
